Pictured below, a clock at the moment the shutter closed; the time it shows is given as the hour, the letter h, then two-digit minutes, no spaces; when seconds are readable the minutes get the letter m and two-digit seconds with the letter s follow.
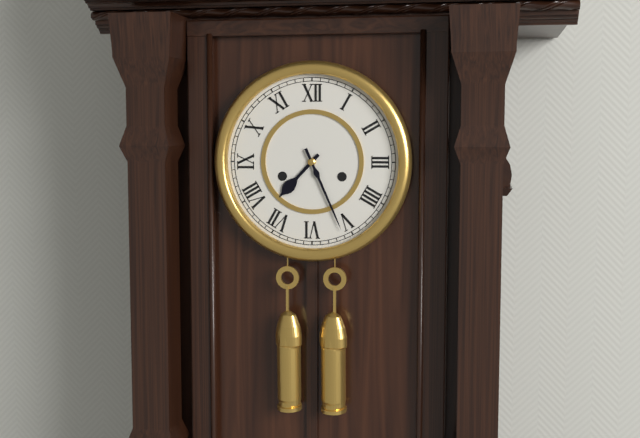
7h26
